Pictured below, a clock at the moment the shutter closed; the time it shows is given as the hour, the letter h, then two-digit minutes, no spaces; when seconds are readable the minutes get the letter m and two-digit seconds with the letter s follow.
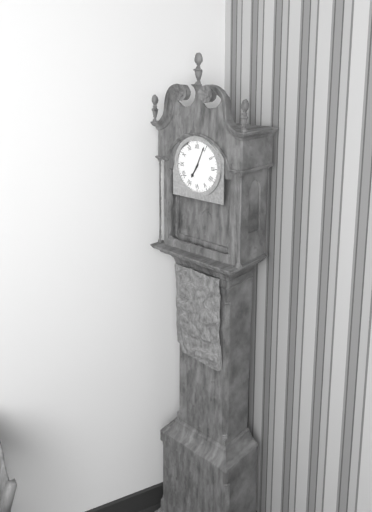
7h04
